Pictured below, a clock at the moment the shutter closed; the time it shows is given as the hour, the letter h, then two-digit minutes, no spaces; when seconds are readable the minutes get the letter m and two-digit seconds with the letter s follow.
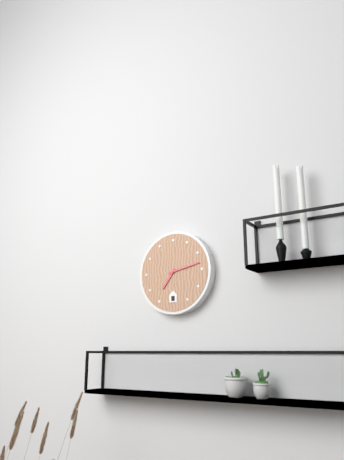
7h13
